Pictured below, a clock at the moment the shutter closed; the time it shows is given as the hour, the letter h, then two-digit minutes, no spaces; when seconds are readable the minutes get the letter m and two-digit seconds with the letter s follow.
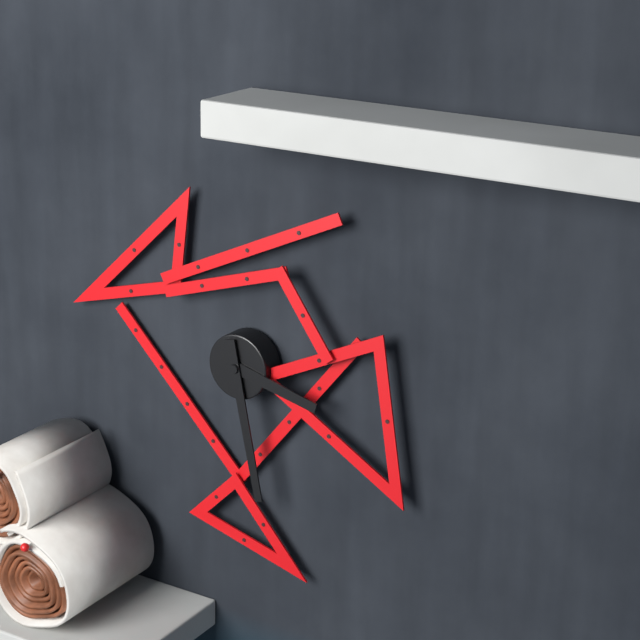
3h28
